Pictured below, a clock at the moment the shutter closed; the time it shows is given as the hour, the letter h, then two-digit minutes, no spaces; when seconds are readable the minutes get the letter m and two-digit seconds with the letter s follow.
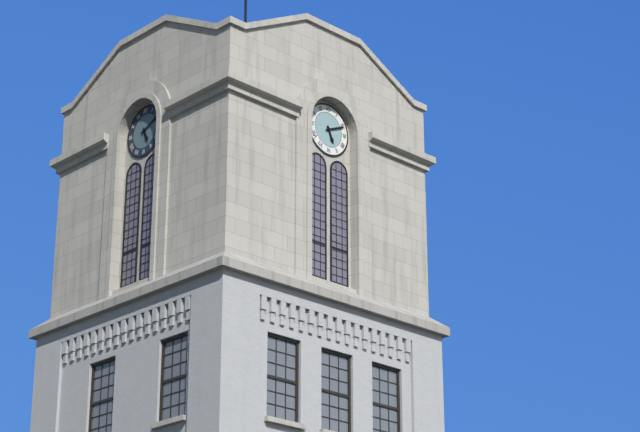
5h11
